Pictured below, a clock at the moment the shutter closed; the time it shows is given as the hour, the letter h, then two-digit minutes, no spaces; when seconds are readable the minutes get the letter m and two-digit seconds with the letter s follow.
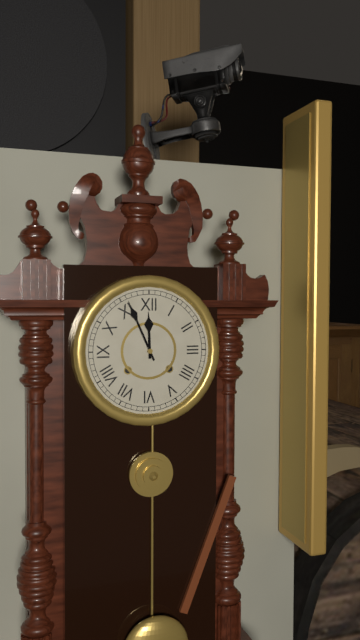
11h56
